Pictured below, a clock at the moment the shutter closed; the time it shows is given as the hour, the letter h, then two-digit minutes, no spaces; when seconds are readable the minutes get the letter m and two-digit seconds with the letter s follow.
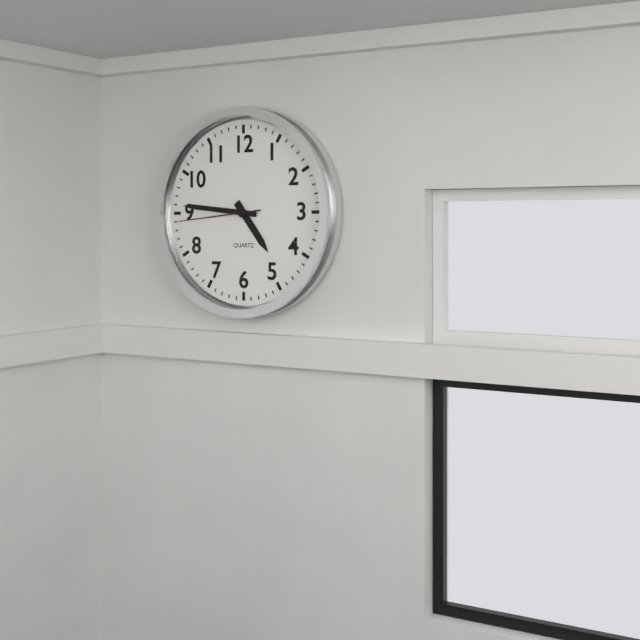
4h46m44s
